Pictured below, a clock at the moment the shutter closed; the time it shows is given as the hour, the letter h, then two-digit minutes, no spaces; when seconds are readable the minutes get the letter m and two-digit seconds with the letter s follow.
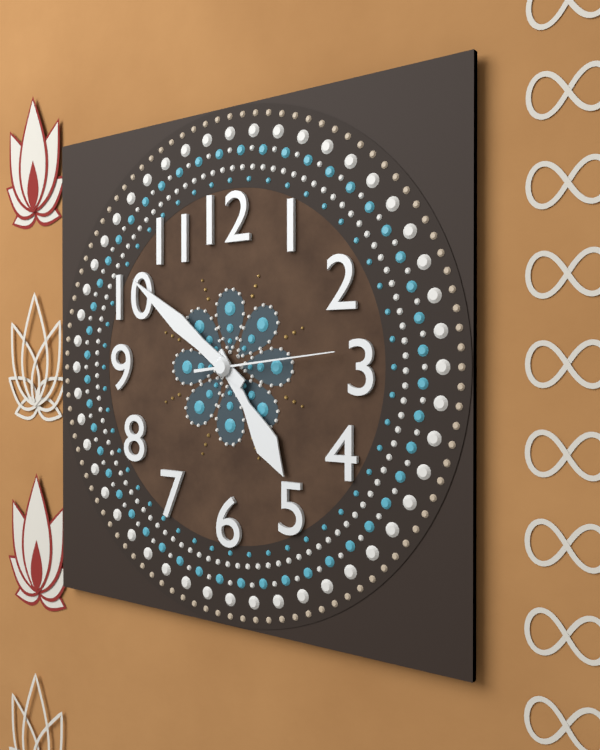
4h51m14s
